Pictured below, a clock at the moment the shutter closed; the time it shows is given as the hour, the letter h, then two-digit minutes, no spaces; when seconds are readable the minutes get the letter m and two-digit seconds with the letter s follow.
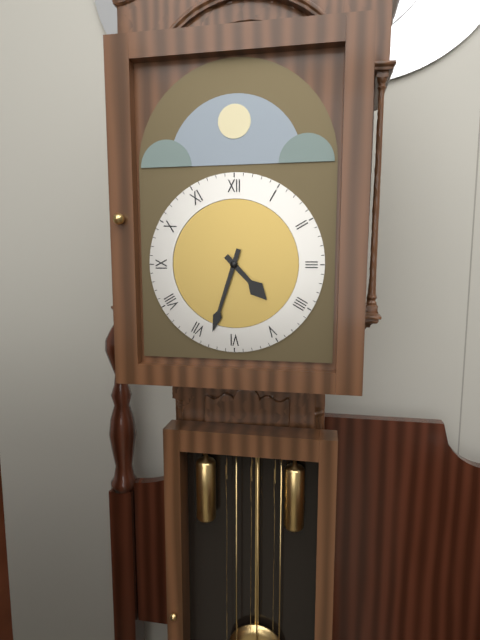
4h33
